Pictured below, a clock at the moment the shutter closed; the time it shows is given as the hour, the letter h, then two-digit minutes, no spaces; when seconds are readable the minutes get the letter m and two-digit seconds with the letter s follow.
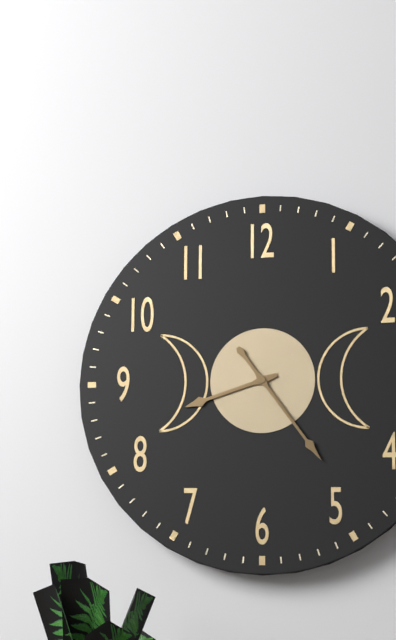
8h24
